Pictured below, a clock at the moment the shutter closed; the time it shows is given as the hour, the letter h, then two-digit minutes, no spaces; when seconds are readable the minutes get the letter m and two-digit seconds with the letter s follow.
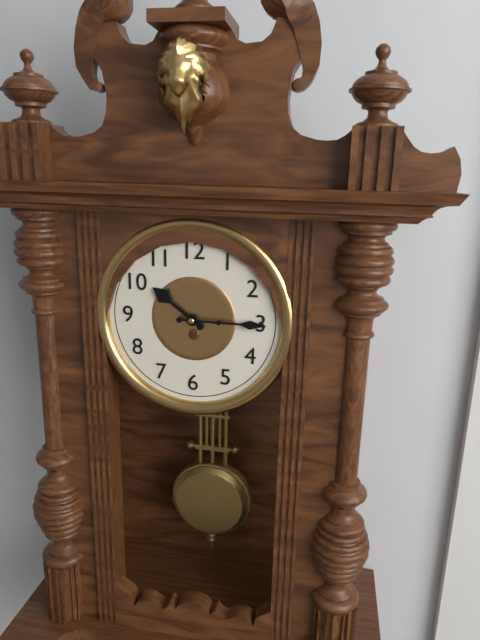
10h15
